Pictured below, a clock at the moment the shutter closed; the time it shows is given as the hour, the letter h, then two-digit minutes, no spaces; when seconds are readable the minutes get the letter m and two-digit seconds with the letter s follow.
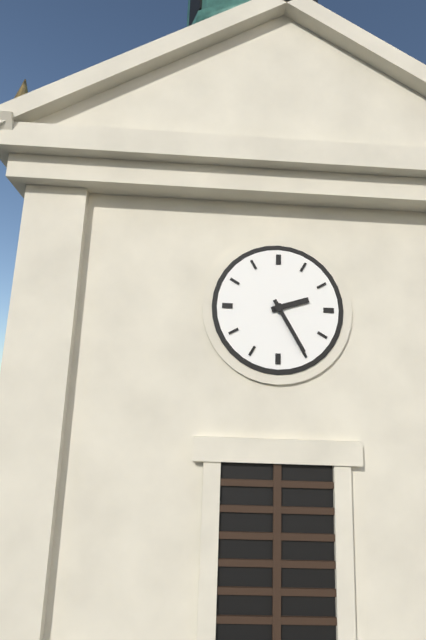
2h25
